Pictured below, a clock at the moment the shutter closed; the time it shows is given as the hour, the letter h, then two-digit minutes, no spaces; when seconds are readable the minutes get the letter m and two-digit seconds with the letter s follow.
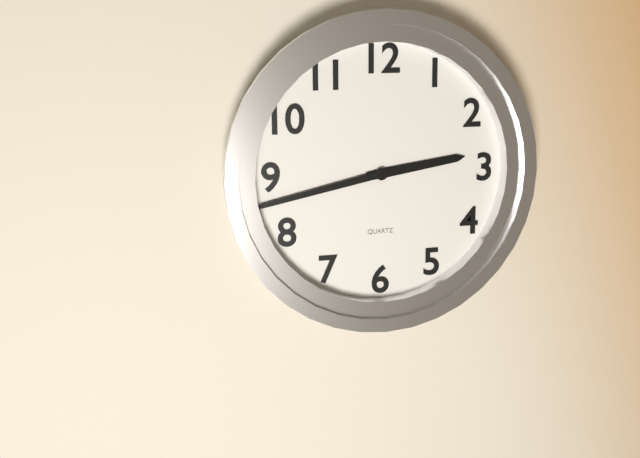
2h43
